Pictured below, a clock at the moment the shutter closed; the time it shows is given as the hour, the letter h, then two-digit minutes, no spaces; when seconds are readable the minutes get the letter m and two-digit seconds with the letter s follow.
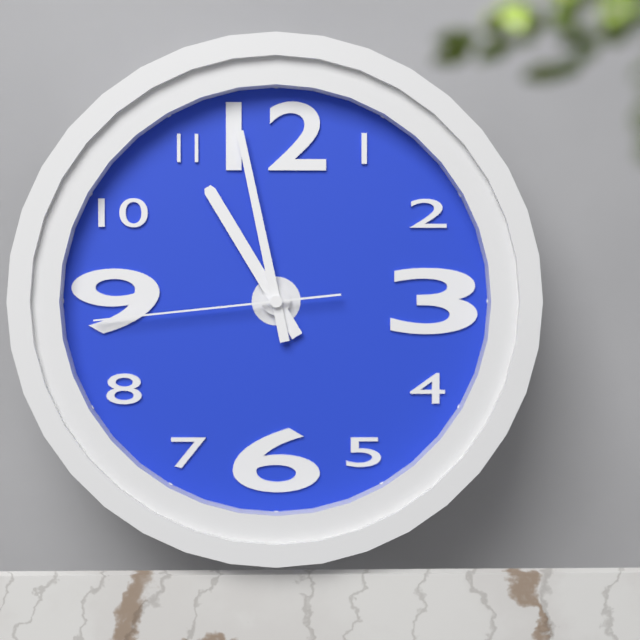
10h58m44s
